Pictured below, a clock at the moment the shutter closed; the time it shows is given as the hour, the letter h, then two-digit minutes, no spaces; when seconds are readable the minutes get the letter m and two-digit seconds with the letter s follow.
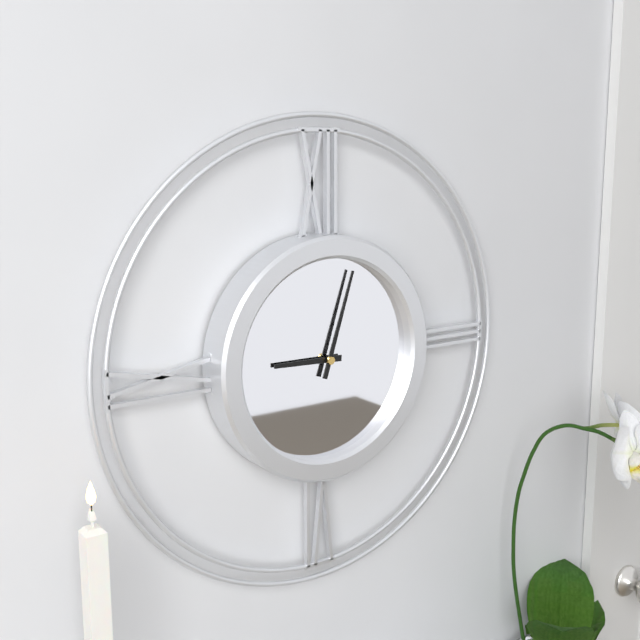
9h03
